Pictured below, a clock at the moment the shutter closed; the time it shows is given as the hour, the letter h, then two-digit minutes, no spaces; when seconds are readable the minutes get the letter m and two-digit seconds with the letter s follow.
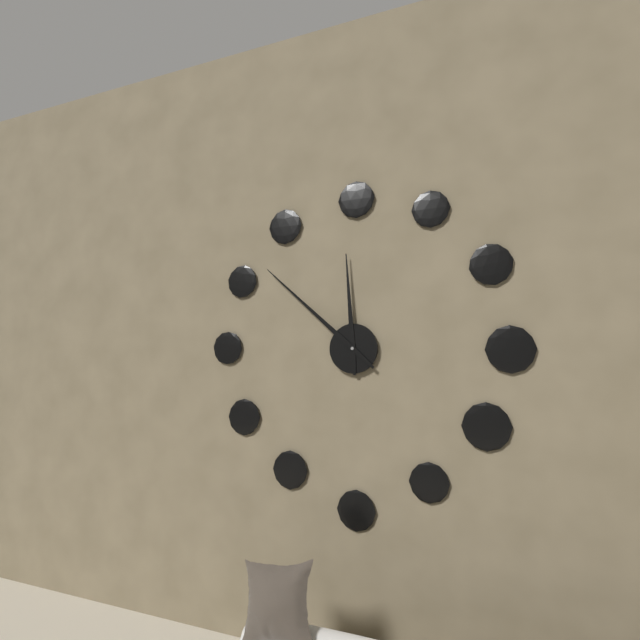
11h52
